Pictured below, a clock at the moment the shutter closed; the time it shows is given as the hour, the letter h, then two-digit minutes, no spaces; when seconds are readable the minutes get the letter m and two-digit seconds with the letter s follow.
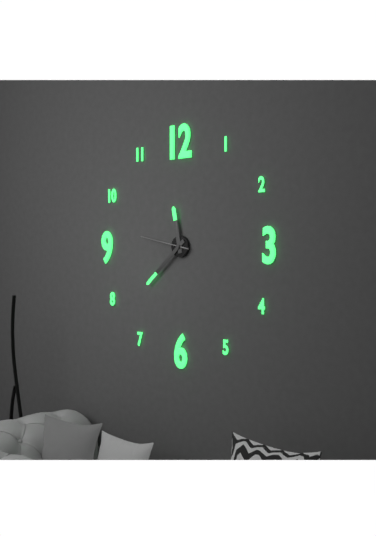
11h38m47s
